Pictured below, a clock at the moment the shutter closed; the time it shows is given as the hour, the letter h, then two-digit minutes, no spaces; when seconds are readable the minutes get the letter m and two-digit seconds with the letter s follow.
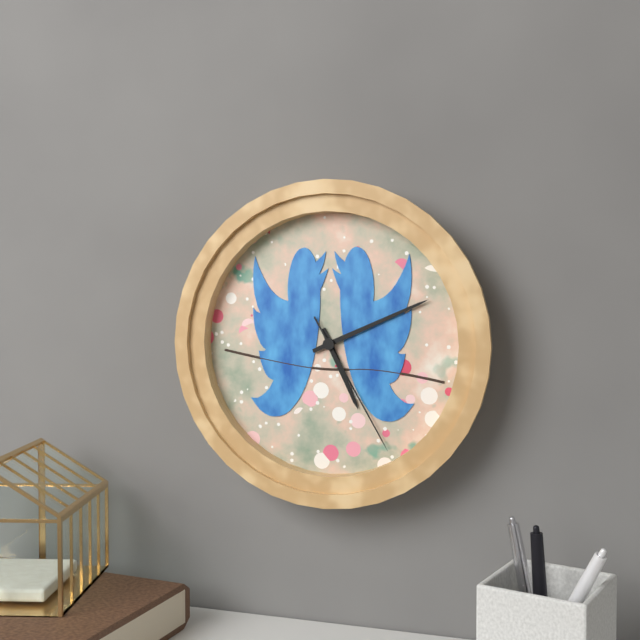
5h11m25s
